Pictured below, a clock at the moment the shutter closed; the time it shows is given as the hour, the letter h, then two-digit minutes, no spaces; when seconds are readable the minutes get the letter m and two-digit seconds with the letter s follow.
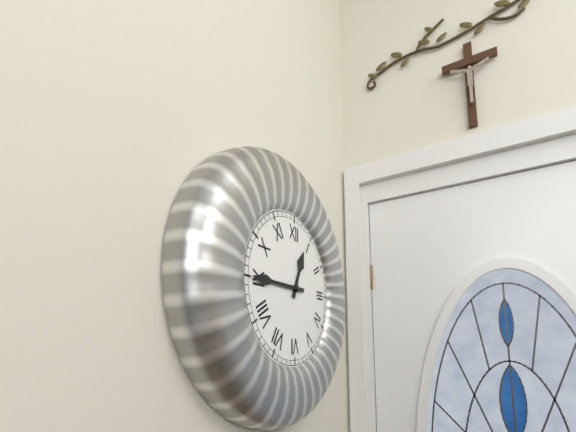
12h45
